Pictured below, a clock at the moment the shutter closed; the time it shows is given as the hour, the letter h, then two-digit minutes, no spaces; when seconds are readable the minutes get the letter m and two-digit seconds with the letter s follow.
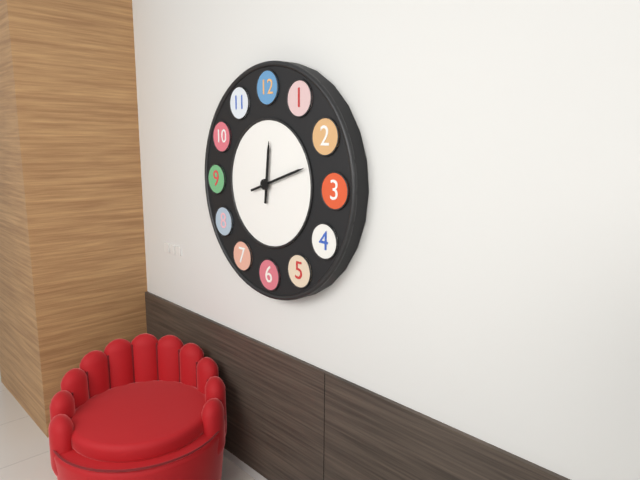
12h12
